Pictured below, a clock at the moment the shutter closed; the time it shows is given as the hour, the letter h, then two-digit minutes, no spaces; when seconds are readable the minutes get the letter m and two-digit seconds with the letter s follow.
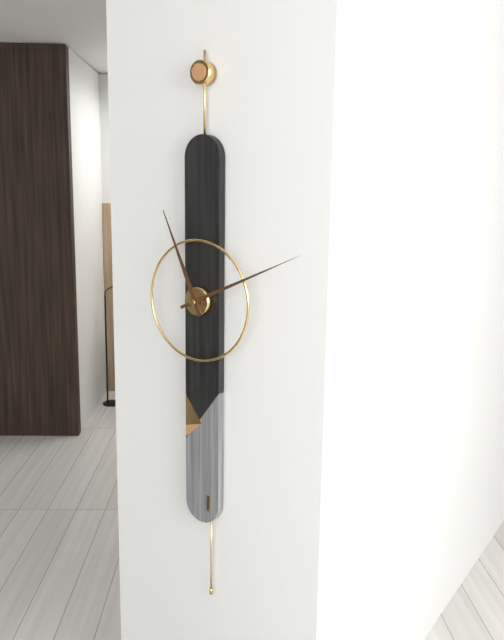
11h11
